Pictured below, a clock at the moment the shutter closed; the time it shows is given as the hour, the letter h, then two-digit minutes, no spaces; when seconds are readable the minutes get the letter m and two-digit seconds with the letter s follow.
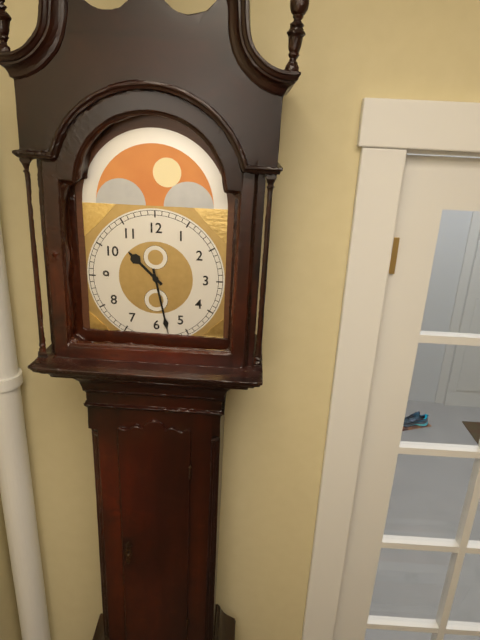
10h28
